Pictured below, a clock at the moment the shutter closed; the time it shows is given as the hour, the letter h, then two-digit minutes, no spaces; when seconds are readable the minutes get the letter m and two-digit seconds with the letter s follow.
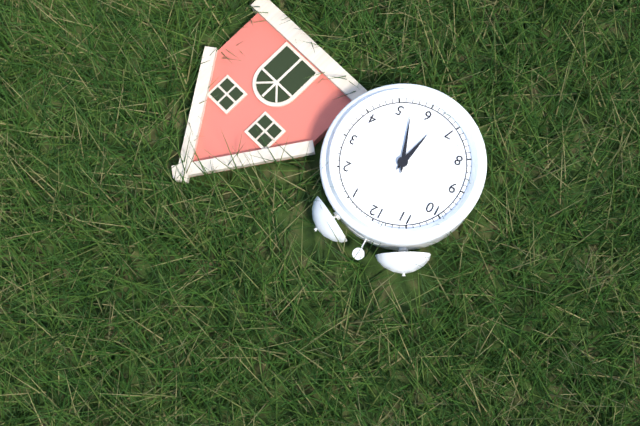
6h27
